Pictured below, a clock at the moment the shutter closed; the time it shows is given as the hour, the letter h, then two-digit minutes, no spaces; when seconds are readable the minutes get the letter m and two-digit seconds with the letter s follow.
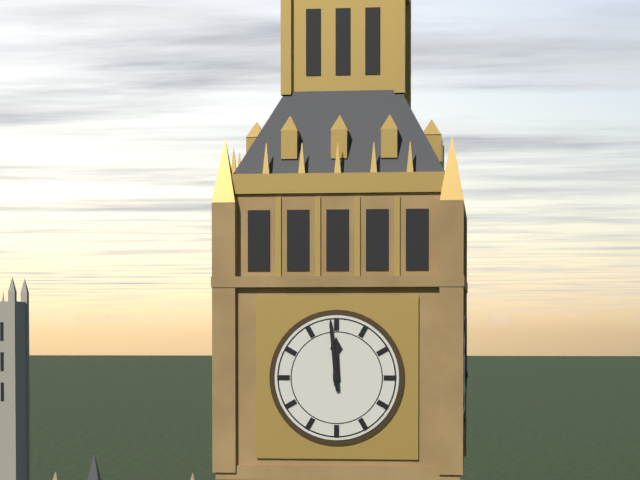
11h59
